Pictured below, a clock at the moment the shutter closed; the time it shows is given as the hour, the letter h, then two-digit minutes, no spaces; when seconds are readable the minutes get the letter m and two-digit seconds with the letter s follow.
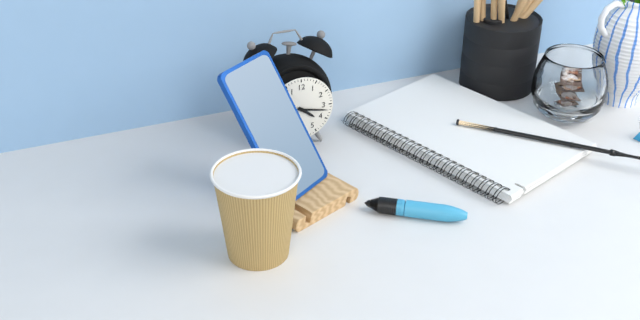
4h17
